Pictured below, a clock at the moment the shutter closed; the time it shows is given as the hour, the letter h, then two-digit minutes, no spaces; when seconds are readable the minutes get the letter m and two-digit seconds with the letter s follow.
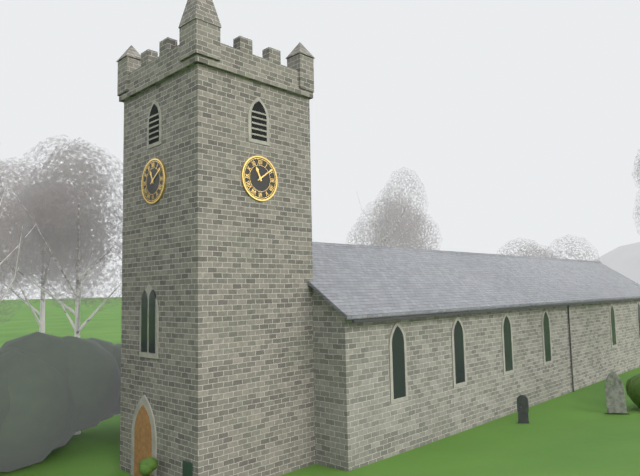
11h09
